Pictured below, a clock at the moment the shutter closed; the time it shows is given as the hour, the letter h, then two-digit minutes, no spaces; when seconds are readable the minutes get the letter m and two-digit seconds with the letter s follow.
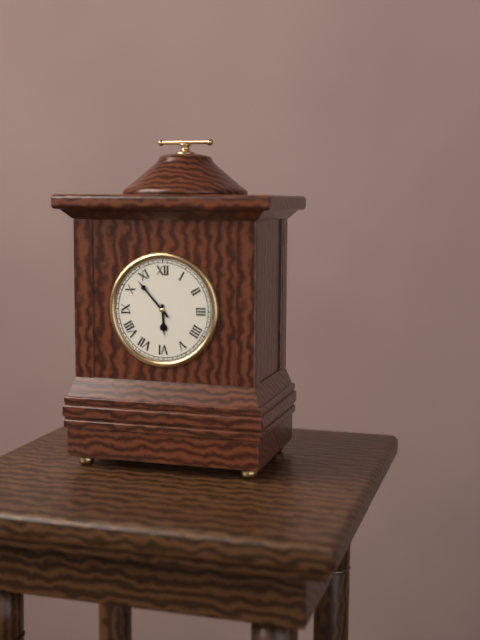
5h53
